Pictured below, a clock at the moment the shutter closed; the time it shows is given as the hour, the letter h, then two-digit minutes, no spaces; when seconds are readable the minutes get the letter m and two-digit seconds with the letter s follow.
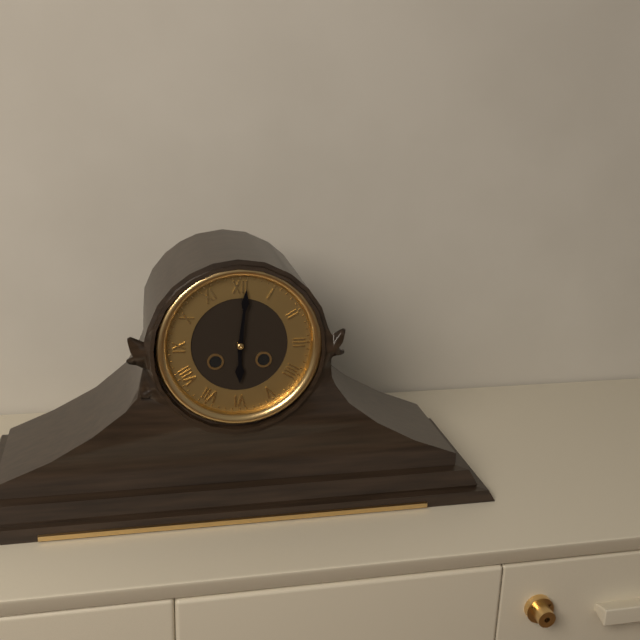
6h01
